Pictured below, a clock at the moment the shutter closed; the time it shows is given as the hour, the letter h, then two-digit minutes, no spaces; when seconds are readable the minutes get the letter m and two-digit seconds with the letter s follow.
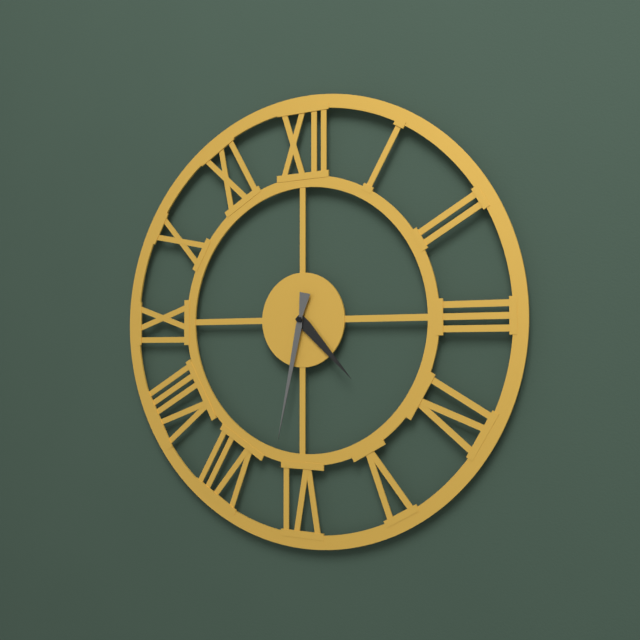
4h32
